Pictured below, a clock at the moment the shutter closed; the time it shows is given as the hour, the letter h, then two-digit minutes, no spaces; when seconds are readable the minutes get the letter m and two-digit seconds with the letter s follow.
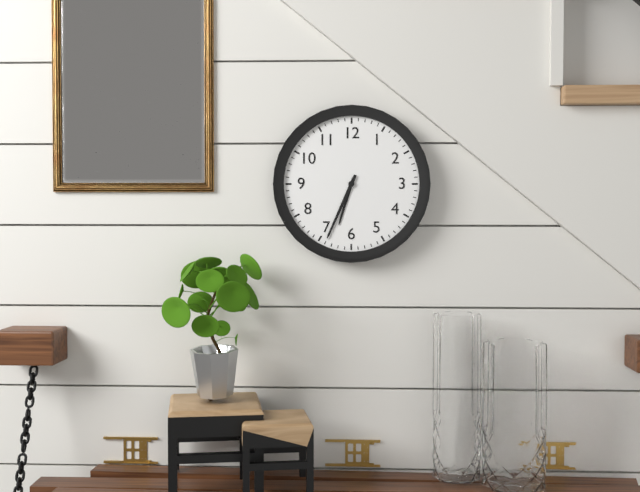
6h34
